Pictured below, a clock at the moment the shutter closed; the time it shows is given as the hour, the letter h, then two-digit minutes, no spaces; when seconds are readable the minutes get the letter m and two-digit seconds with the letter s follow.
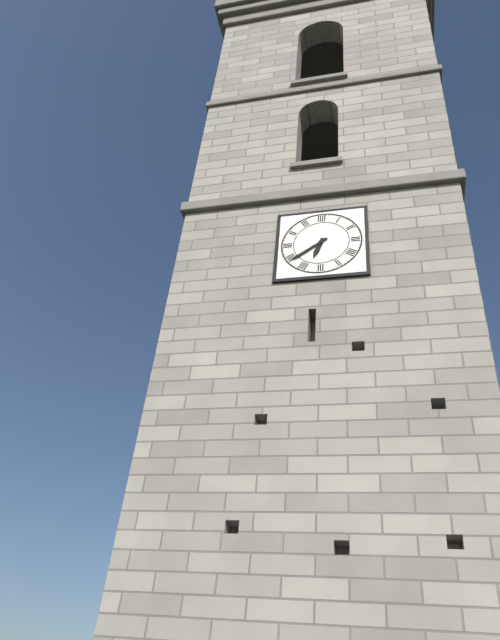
6h39
